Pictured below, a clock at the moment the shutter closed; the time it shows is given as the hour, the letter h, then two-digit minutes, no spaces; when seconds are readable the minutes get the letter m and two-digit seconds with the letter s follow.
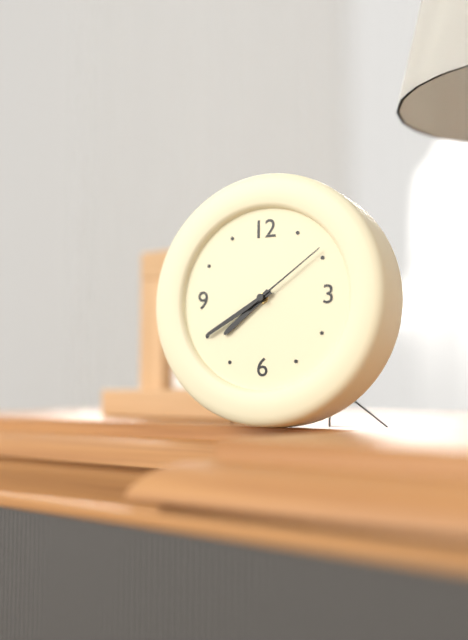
7h40m09s
